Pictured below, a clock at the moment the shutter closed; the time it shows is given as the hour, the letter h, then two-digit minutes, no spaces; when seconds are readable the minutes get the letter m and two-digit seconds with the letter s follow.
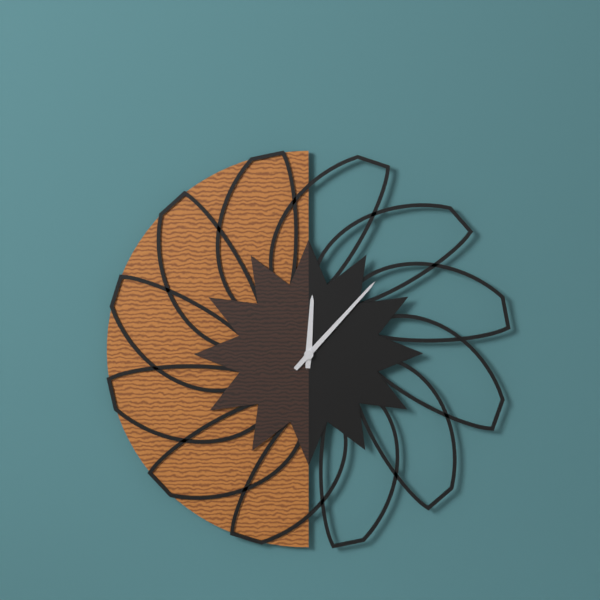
12h07
